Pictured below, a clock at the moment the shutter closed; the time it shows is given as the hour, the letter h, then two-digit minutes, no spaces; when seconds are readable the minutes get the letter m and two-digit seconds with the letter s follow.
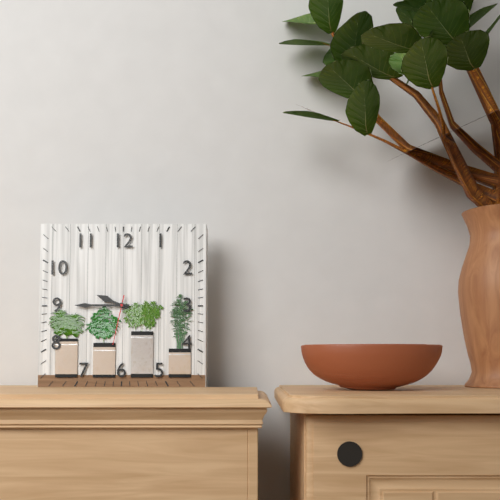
9h45m32s
